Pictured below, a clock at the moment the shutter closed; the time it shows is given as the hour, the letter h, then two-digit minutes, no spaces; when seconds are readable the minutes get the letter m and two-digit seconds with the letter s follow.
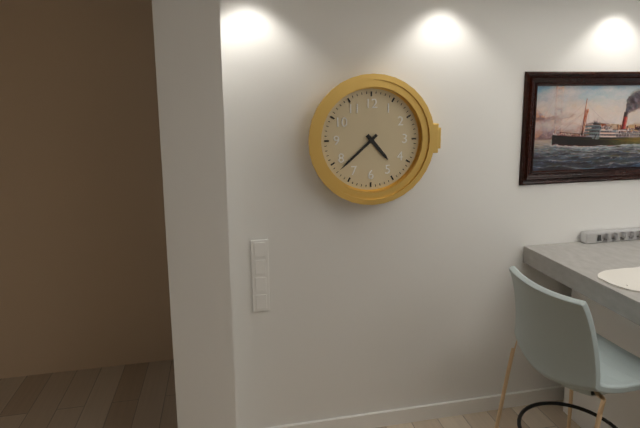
4h38
